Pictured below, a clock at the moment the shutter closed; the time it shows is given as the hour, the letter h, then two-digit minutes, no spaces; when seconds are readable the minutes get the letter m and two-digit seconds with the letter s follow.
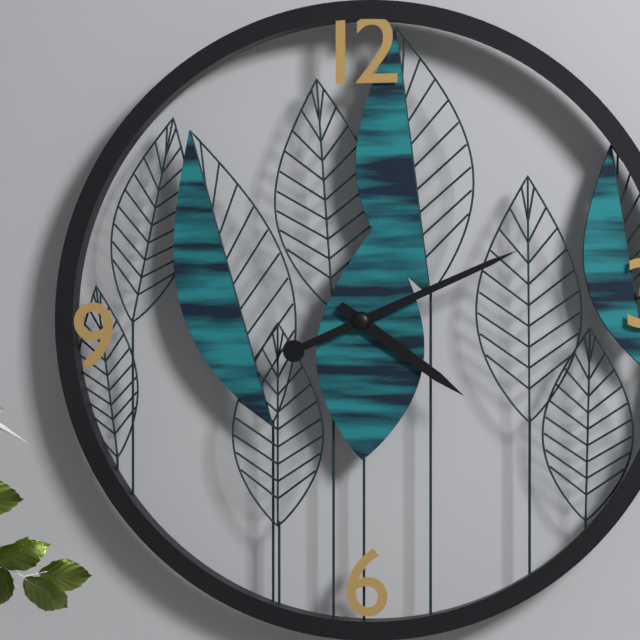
4h11
